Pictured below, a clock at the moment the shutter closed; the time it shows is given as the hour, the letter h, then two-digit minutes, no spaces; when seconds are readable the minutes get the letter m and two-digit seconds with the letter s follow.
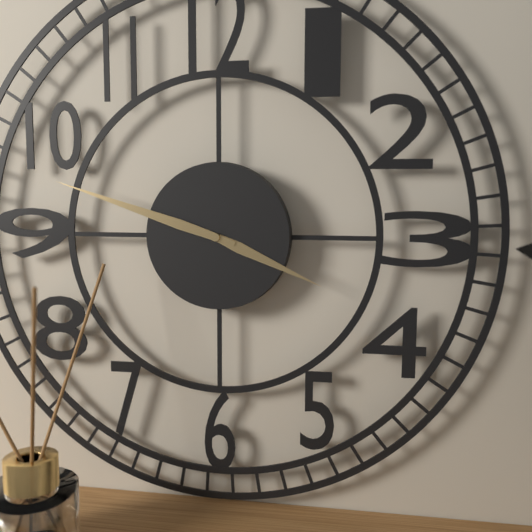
3h48
